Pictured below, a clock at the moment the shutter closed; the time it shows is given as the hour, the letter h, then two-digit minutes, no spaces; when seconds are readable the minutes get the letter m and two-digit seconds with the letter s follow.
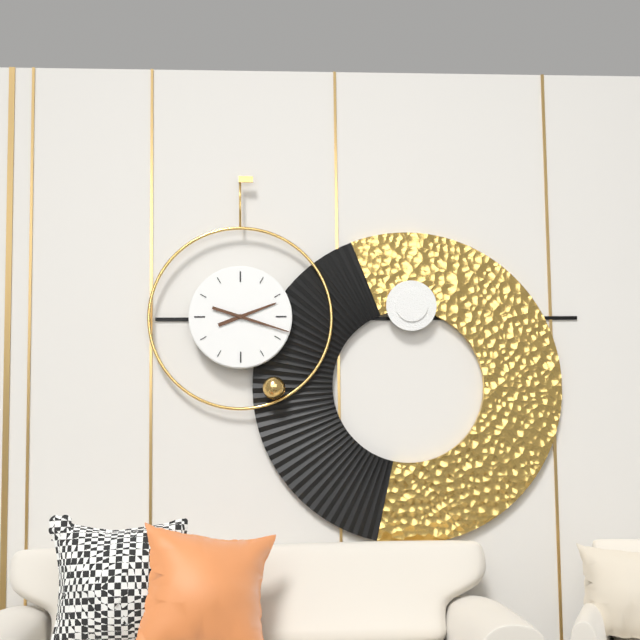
2h18
